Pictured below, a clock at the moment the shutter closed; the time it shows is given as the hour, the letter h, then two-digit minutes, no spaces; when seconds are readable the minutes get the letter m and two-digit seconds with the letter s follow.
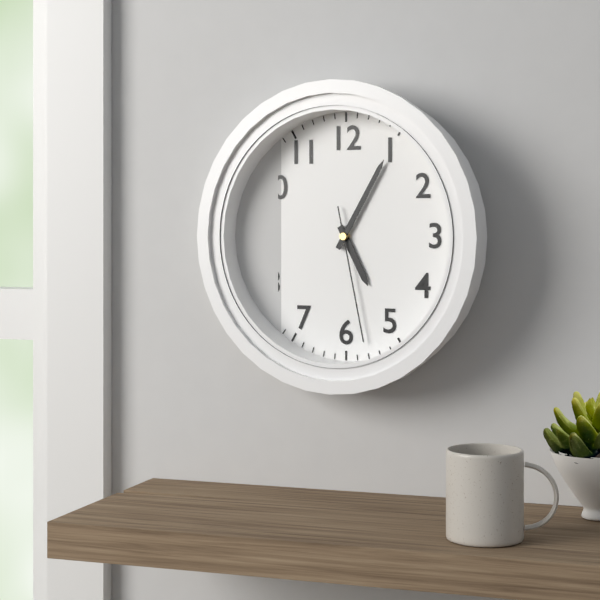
5h05m28s
